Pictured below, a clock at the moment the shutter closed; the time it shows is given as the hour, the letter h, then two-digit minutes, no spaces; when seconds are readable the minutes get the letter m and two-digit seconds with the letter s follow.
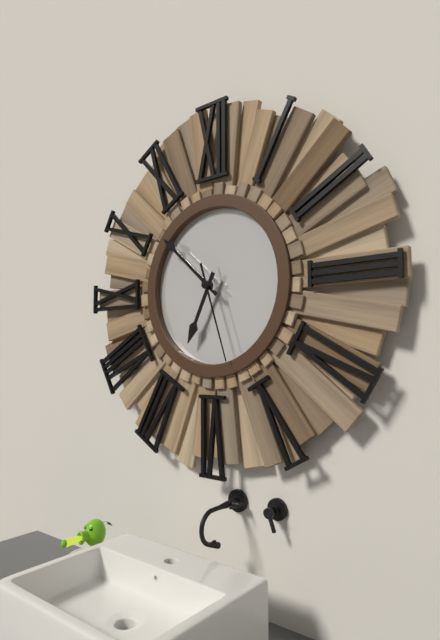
6h52m27s
